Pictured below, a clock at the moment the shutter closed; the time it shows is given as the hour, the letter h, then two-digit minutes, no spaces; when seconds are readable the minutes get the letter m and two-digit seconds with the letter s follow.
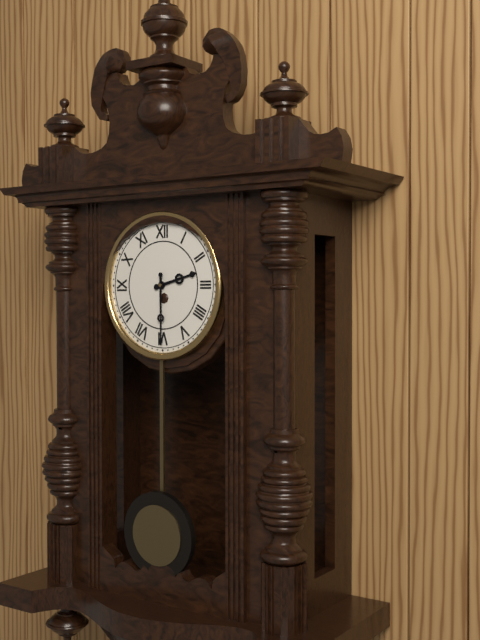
2h30
